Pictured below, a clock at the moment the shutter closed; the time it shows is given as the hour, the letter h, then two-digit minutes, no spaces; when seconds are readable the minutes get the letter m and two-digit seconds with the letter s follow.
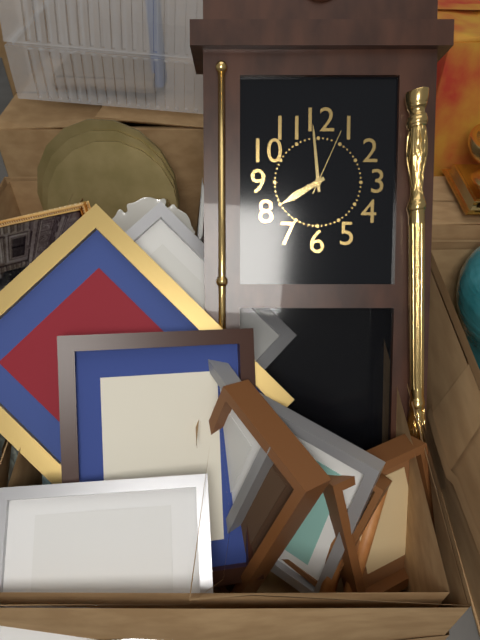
7h59m04s
